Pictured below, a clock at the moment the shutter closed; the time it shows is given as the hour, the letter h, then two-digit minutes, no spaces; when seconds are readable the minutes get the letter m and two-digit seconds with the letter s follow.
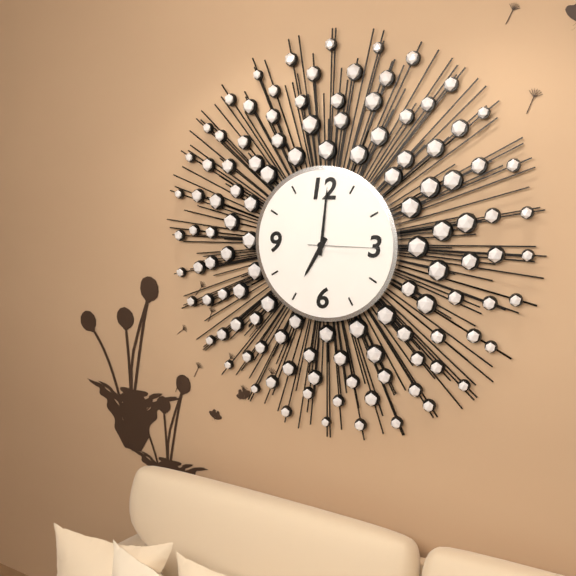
7h01m15s
